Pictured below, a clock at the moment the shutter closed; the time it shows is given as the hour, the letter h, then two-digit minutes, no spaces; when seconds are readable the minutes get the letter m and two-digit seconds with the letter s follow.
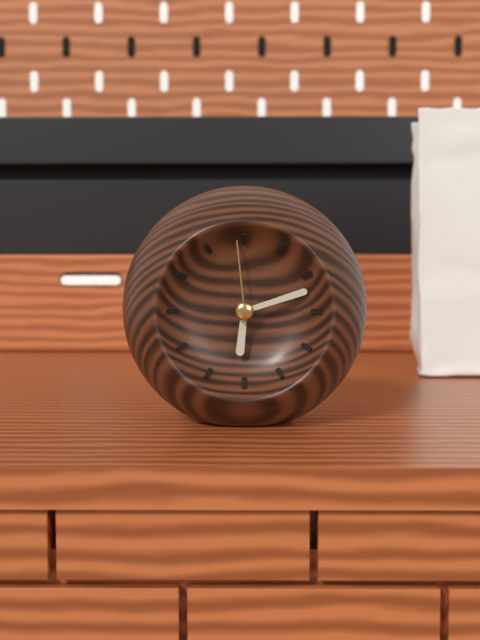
6h12m59s
